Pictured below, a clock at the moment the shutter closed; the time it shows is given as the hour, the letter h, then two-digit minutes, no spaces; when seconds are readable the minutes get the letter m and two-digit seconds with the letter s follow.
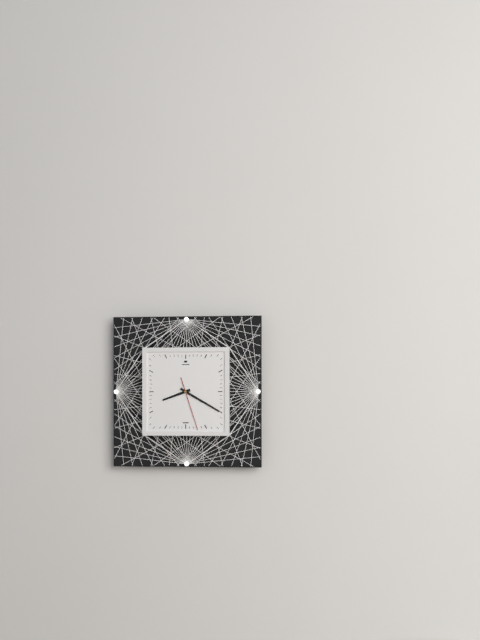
8h20m27s
